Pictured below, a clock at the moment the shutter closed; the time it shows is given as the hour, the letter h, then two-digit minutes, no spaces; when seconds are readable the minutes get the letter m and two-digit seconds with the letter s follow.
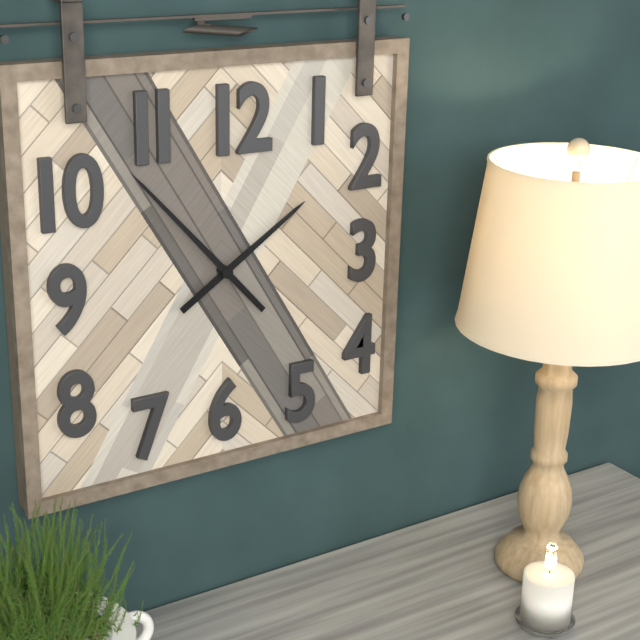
1h53
